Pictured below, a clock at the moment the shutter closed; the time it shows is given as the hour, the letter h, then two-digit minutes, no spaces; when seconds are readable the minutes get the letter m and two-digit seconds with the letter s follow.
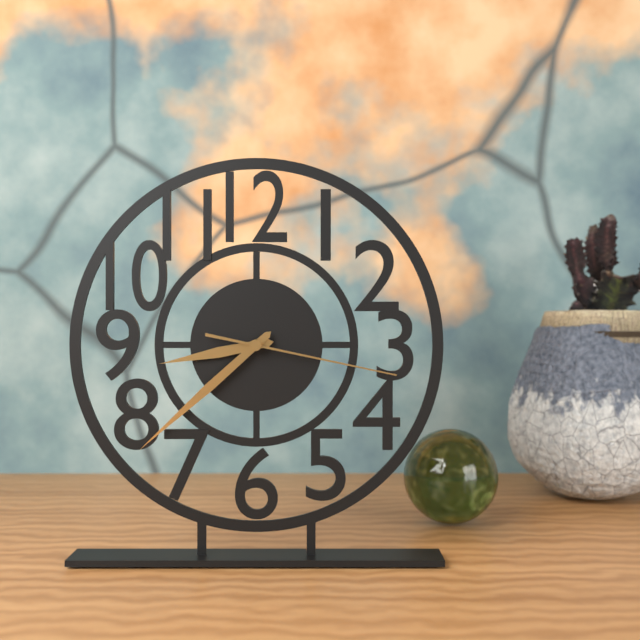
8h38m17s
